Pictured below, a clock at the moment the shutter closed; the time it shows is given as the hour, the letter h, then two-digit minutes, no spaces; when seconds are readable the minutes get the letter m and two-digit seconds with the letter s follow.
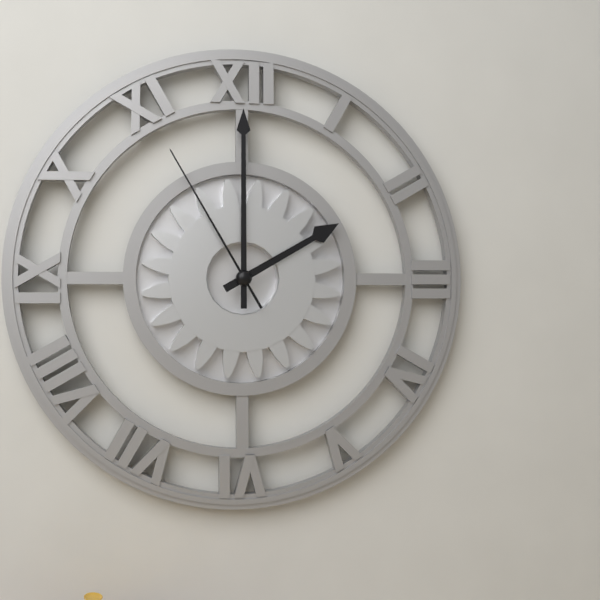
2h00m55s
